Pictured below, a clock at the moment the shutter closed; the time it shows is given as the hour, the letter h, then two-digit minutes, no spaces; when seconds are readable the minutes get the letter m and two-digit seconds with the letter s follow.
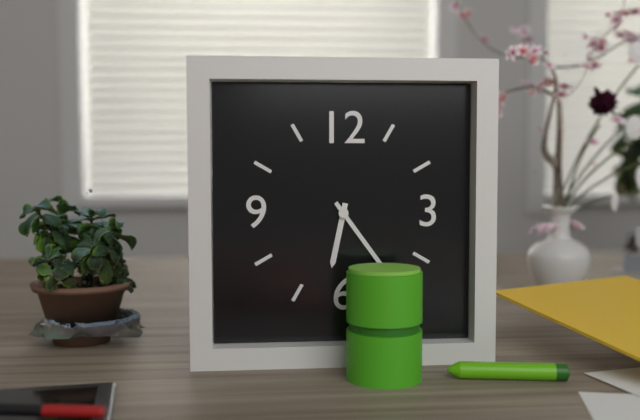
6h24
